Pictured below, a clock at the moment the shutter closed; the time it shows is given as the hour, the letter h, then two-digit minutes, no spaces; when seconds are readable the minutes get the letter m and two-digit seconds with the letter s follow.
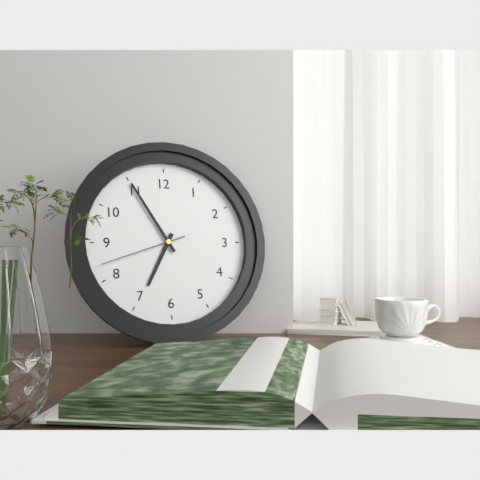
6h55m42s
